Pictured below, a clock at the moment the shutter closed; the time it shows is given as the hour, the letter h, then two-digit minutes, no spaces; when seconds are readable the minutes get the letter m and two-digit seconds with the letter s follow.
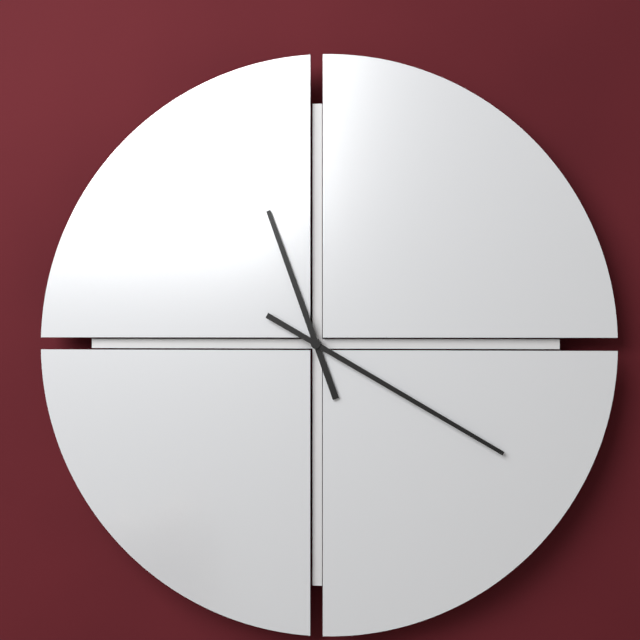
11h20
